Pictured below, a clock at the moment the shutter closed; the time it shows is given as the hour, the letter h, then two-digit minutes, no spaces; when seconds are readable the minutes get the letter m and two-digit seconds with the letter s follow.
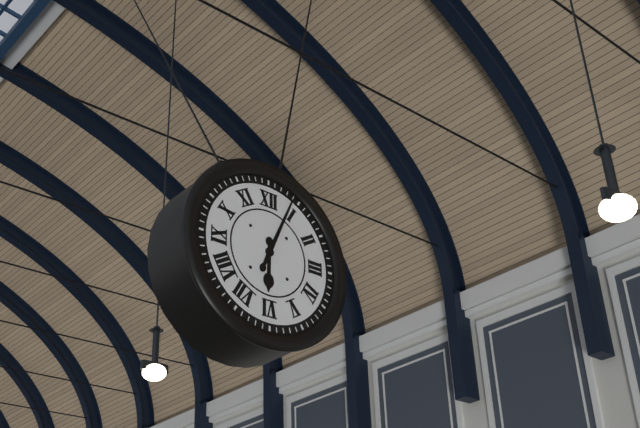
6h04
